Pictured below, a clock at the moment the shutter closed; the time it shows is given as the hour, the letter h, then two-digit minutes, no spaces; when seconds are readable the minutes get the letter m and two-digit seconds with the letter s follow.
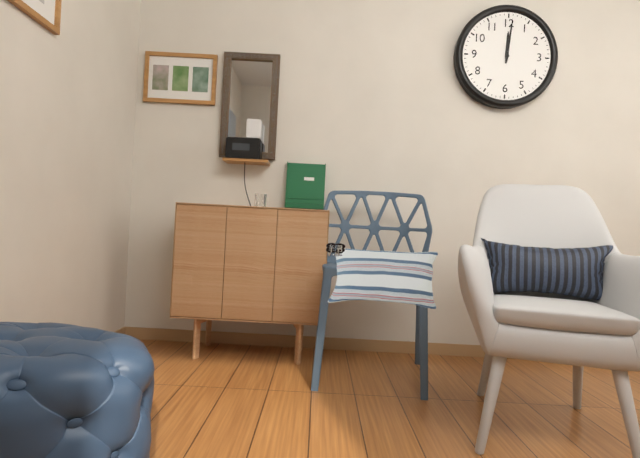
12h01
